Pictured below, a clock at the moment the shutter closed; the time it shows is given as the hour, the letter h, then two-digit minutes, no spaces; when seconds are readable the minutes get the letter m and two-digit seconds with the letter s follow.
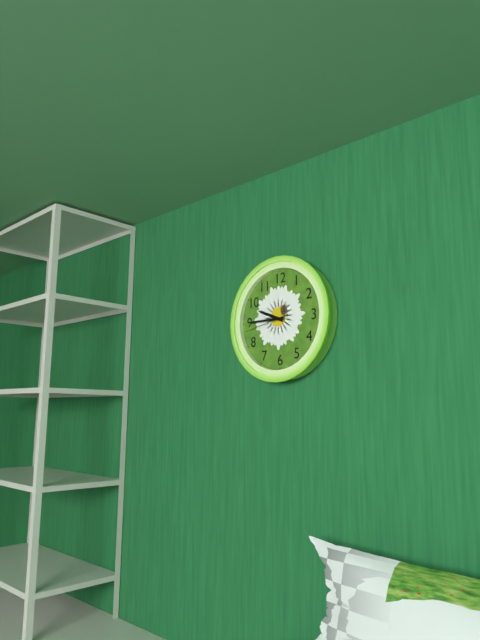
9h45
